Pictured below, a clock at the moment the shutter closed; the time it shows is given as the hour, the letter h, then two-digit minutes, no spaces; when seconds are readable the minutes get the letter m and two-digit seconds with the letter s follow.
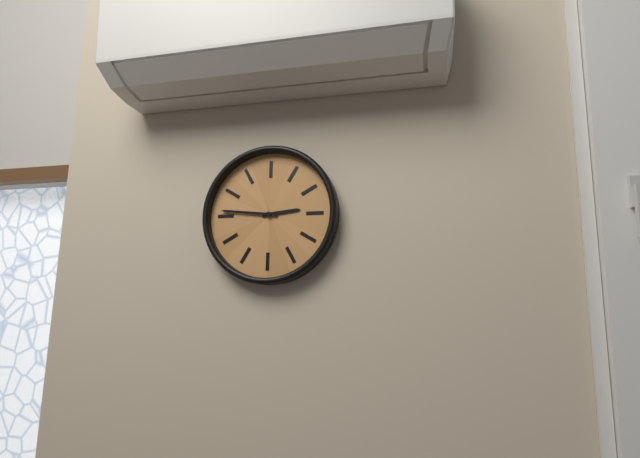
2h46
